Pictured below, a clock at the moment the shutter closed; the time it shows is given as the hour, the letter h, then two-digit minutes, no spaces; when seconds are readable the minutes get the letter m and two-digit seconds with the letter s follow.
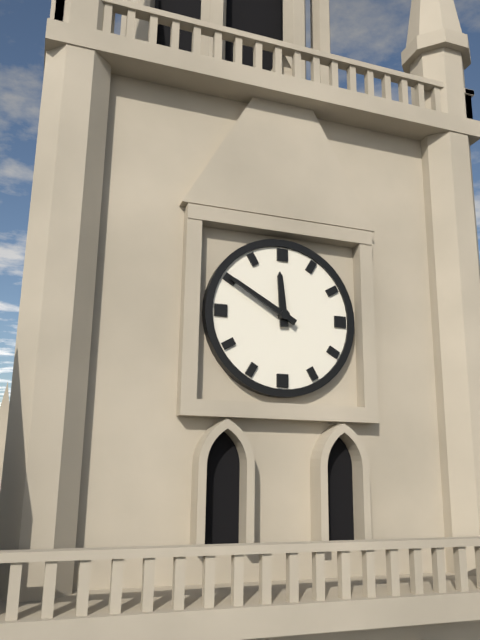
11h50
